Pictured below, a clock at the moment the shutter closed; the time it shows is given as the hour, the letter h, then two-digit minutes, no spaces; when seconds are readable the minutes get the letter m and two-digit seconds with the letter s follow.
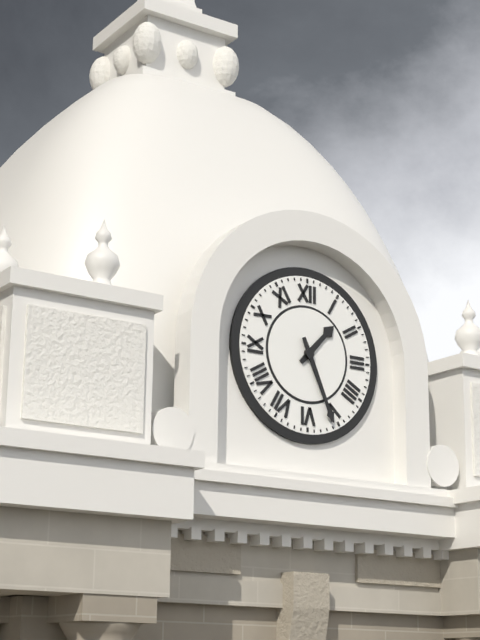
1h26
